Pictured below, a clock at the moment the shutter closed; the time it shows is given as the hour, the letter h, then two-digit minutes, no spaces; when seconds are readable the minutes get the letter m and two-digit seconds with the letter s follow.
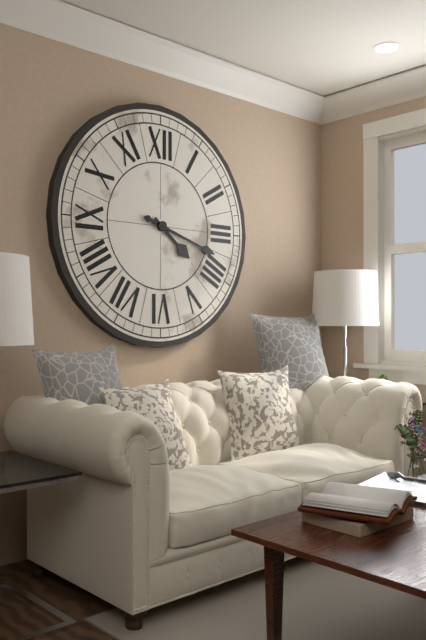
4h18
